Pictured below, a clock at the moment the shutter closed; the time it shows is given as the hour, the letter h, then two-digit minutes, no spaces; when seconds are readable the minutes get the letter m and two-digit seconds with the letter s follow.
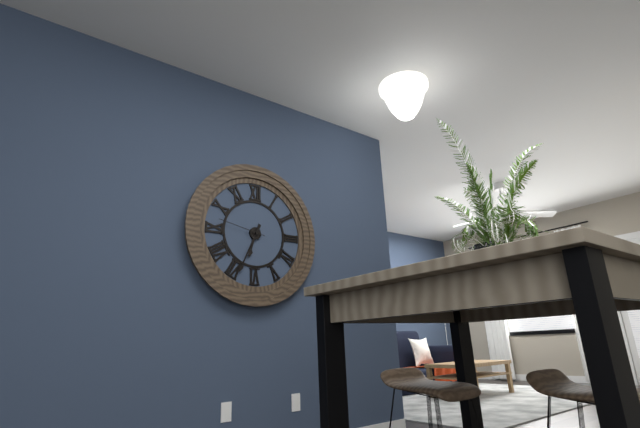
6h34
